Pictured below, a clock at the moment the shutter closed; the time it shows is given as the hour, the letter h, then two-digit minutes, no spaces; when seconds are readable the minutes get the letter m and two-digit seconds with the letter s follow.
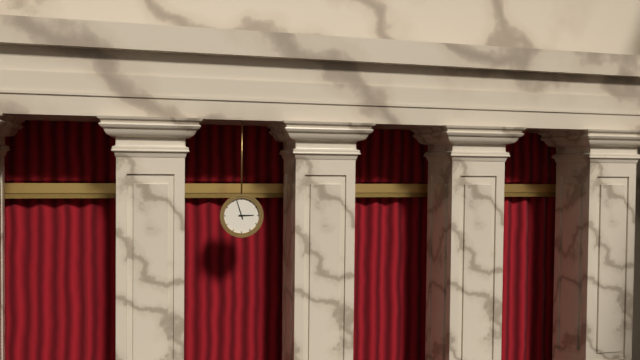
2h57
